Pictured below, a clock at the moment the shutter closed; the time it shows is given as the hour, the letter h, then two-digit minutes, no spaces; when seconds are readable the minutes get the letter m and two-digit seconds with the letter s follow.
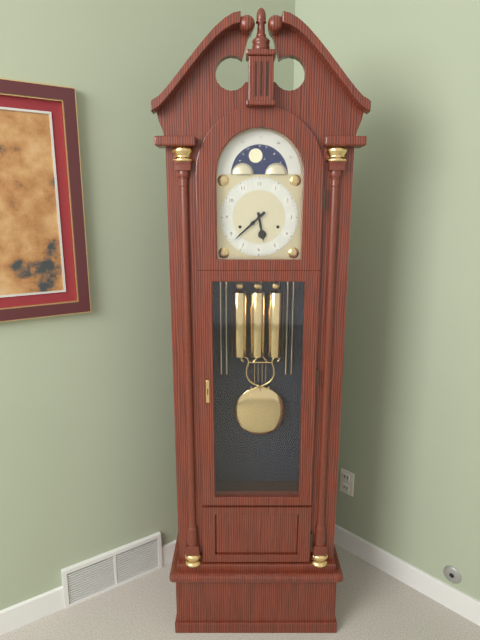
5h38
